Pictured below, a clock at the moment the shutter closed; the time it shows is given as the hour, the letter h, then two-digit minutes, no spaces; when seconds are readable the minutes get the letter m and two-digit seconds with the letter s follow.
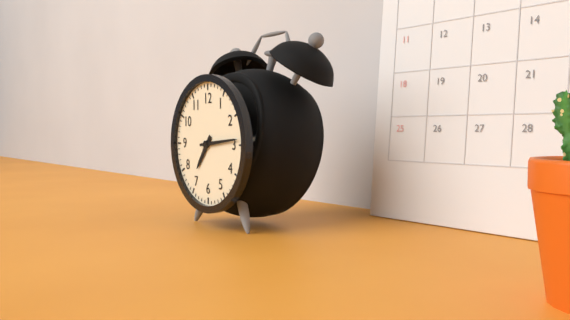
7h14
